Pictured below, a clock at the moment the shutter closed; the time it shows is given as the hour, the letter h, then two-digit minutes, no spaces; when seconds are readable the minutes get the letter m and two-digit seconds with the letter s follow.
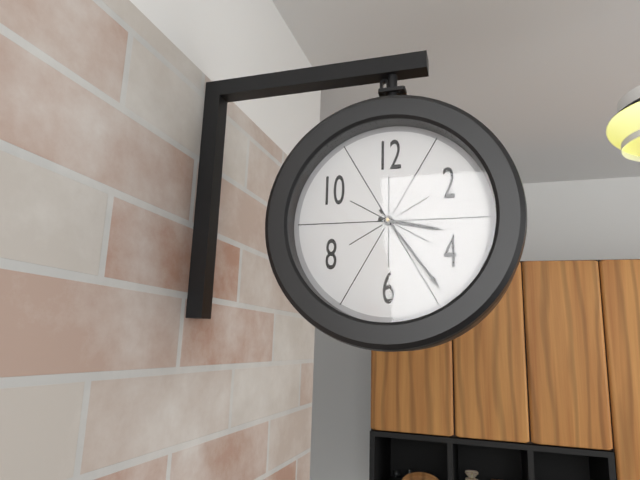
3h24
